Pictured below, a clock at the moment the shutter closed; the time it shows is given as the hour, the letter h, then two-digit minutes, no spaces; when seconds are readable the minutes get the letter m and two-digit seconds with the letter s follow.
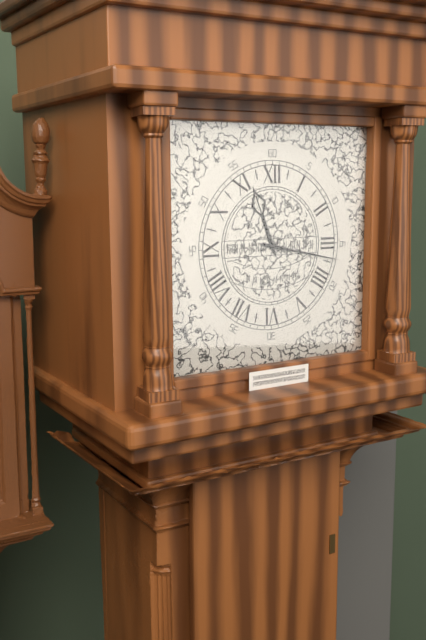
11h17
